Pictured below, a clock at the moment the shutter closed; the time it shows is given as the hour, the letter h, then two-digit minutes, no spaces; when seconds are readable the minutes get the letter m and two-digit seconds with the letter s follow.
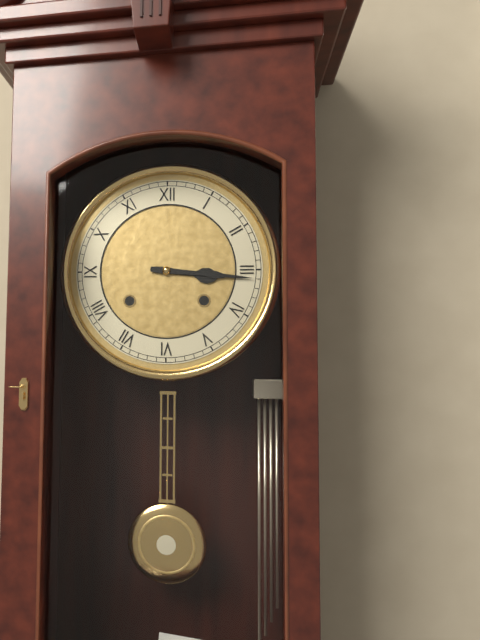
3h16
